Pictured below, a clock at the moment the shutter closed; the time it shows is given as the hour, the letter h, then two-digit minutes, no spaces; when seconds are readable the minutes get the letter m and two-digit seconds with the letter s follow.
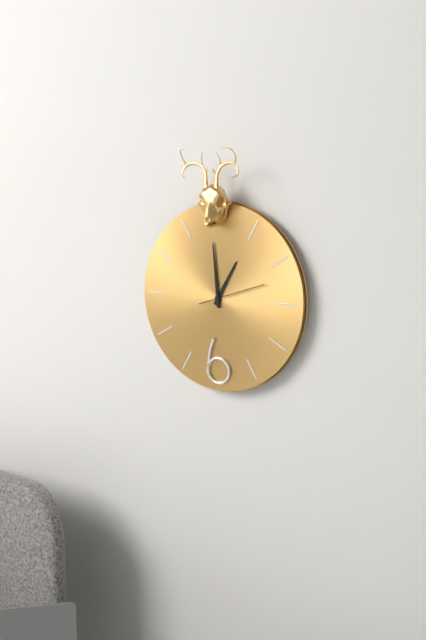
12h59m12s
